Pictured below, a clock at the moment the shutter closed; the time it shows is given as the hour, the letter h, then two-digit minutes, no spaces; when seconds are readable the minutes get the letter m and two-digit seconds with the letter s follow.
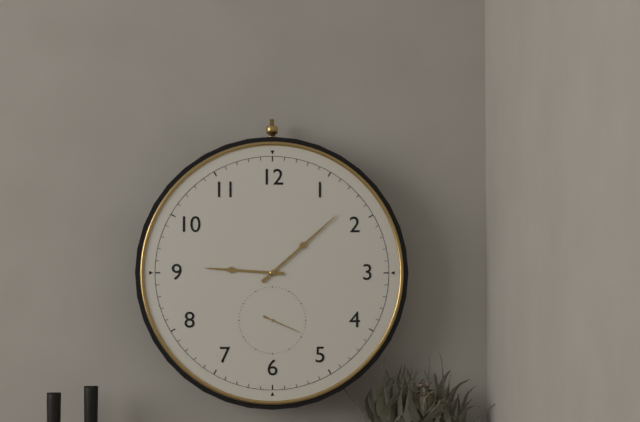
9h08
